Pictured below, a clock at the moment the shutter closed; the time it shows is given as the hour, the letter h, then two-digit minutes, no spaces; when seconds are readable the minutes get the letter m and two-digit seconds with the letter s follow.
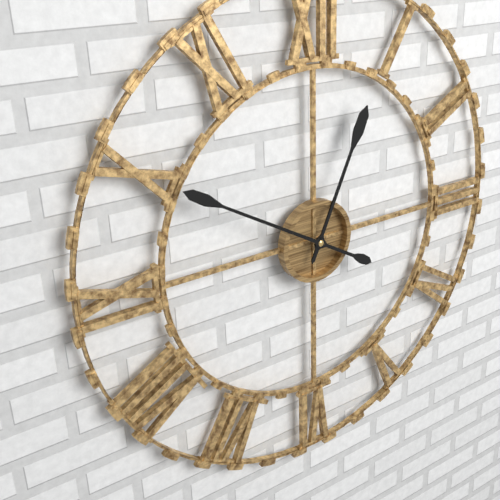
12h50
